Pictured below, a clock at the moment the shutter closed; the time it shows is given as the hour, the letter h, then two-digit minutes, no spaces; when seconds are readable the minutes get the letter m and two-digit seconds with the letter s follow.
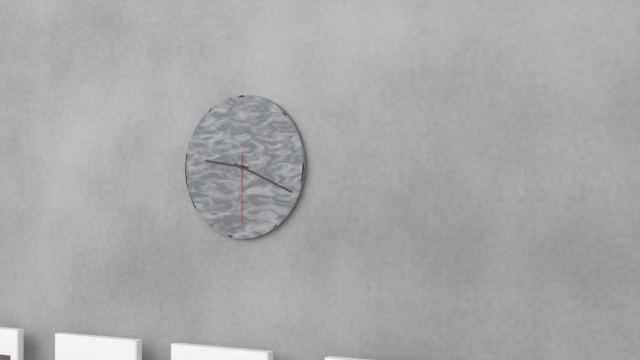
9h19m30s
